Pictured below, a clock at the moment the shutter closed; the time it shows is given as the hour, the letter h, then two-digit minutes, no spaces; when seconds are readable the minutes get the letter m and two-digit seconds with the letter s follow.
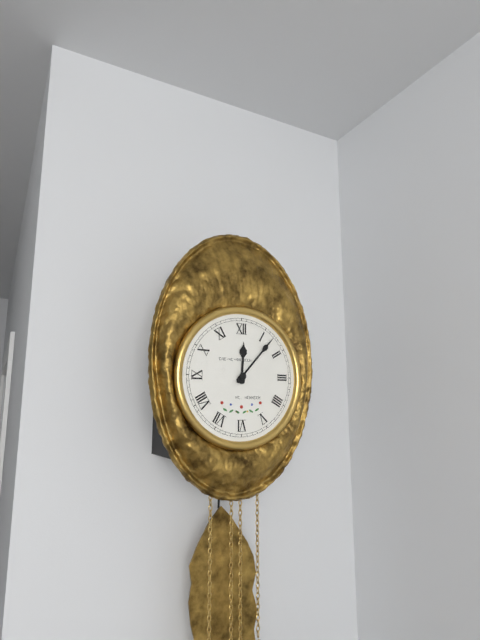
12h07
